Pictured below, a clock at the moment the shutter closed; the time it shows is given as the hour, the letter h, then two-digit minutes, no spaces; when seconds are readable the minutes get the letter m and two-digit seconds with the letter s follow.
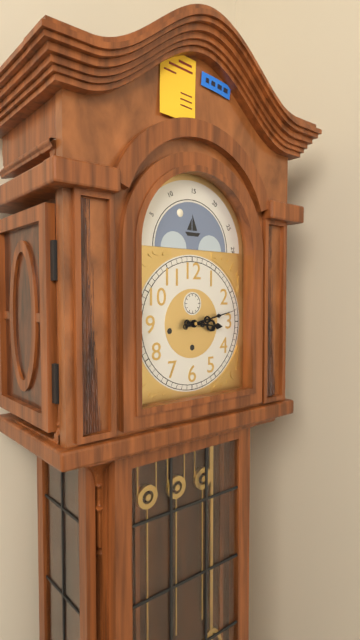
3h13
